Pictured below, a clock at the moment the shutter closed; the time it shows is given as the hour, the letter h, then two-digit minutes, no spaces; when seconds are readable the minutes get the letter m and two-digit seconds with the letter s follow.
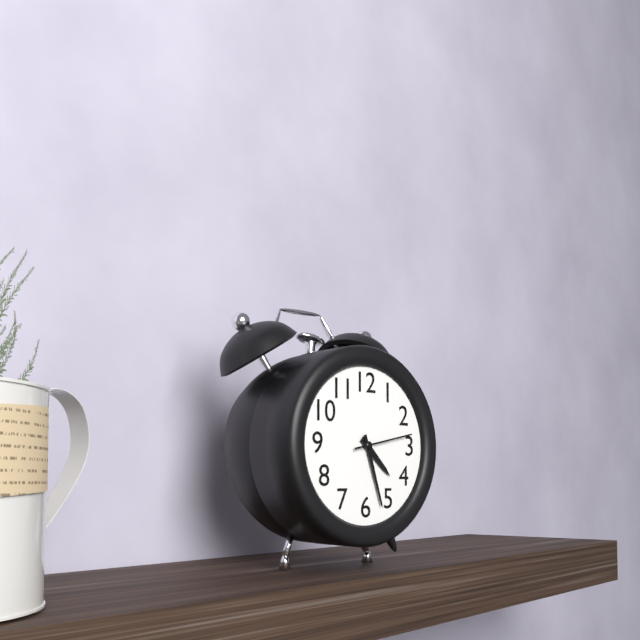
4h27m13s
